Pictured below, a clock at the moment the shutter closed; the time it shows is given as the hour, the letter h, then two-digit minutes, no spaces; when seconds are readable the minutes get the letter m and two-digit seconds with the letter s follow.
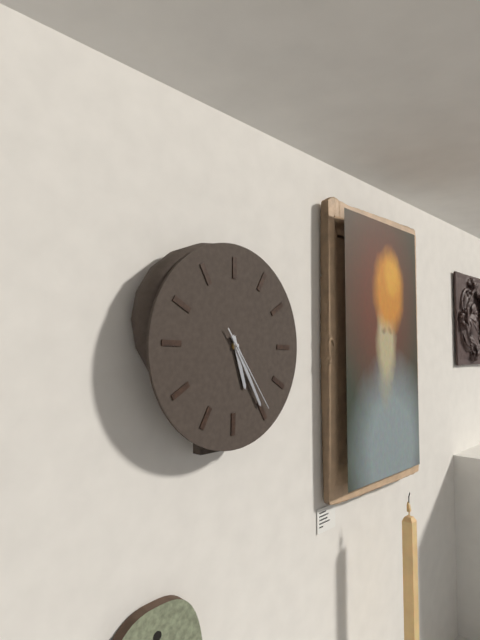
5h25m24s
